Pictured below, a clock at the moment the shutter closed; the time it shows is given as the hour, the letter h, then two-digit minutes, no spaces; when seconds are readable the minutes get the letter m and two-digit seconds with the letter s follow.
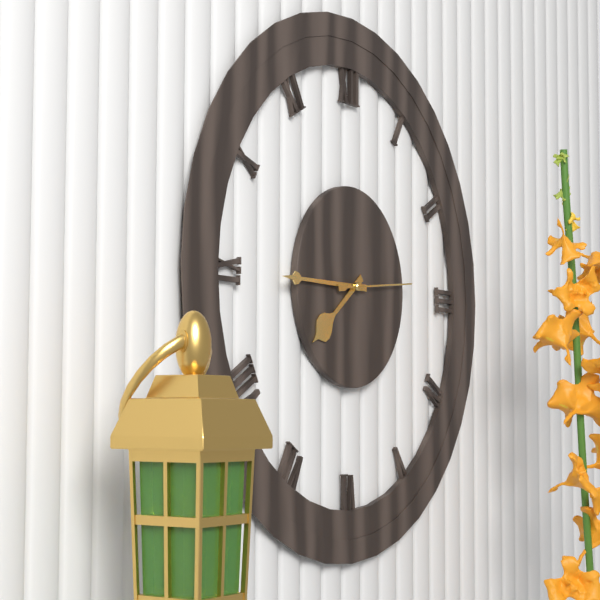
7h45m14s
